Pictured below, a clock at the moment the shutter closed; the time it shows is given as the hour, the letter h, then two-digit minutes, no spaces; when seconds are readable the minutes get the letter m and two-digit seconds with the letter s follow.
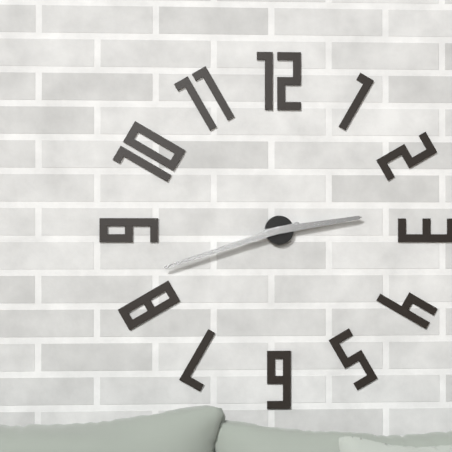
2h42
